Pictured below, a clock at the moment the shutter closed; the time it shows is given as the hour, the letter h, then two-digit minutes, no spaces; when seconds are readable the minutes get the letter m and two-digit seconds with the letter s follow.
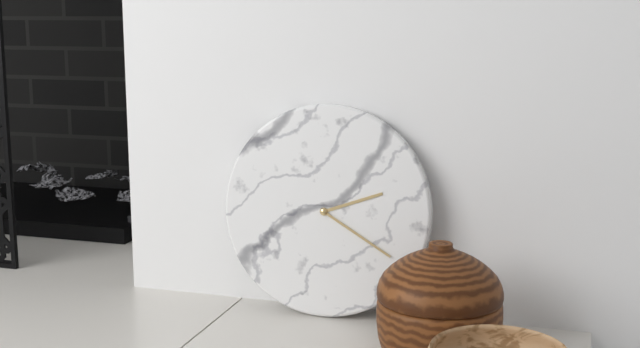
2h20
